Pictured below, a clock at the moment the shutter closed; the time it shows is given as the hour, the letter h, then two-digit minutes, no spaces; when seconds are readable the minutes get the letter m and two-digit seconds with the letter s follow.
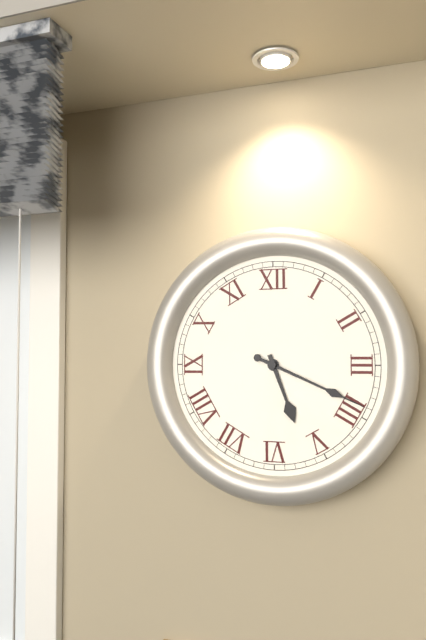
5h19
